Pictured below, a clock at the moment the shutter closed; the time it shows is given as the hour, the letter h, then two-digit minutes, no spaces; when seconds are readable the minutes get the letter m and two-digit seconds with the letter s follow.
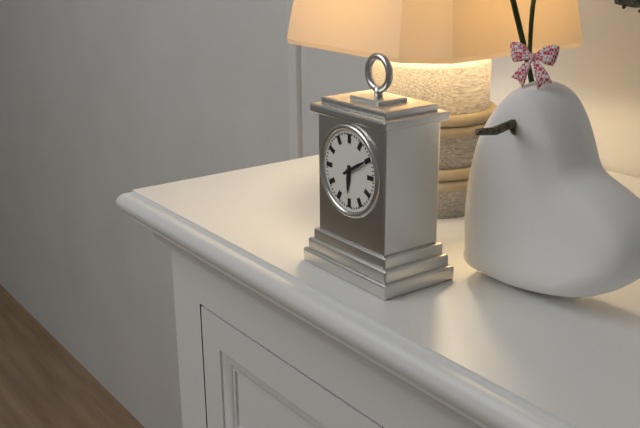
6h10
